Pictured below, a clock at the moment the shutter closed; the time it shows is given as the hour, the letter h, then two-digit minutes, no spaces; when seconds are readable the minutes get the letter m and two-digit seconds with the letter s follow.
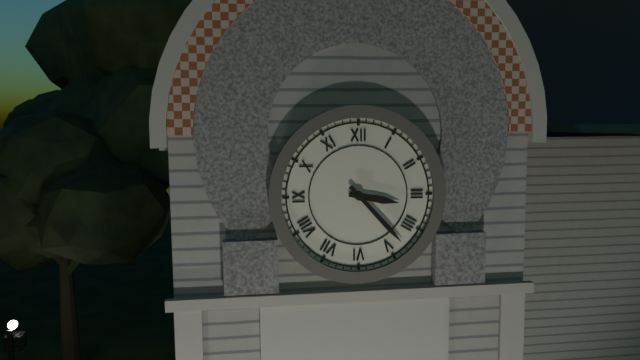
3h23
